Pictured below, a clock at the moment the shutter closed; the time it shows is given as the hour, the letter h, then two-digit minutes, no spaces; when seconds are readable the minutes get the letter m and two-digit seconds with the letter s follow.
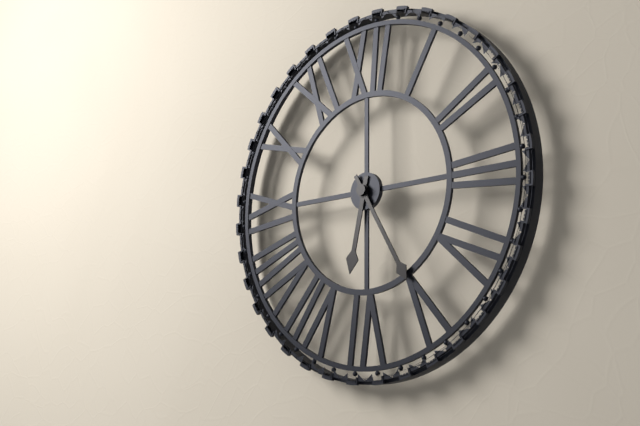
6h25
